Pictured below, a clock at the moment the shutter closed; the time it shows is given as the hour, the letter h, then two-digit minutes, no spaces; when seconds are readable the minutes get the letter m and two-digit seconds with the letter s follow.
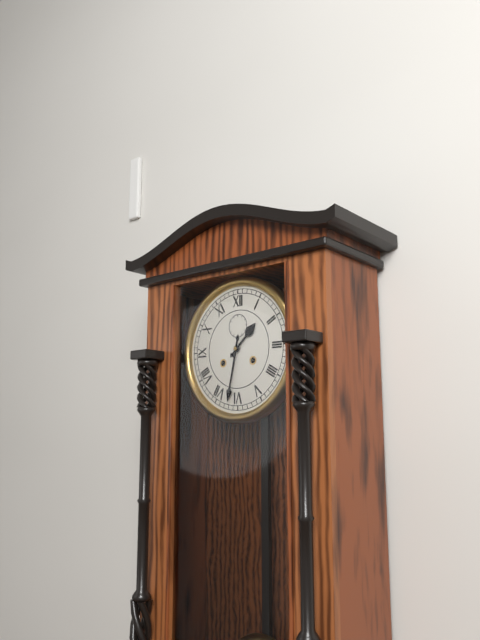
1h32
